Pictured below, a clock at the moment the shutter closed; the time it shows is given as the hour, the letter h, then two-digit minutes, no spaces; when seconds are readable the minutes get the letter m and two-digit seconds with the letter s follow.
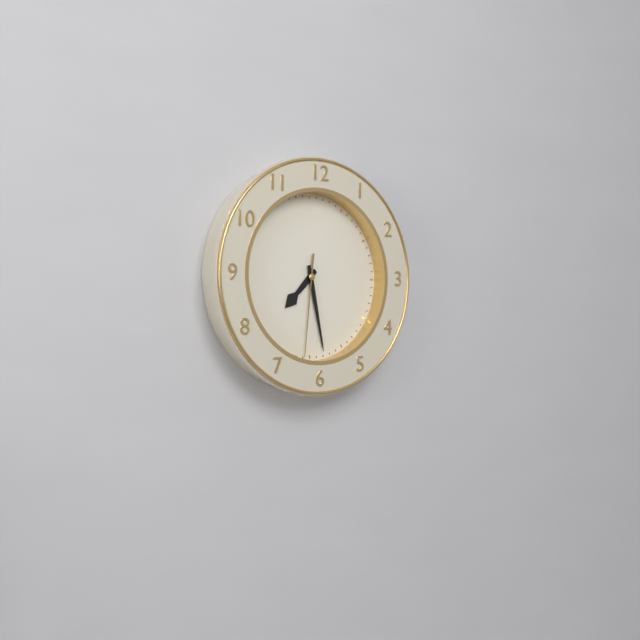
7h28m31s
